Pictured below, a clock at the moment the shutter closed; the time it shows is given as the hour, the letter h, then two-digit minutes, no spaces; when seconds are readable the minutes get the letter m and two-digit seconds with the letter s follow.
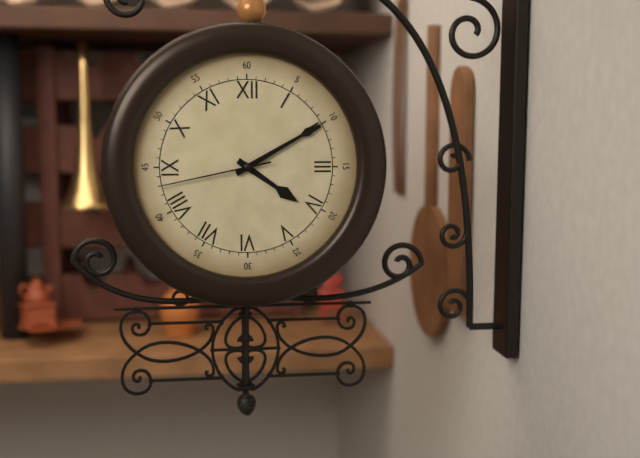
4h10m43s
